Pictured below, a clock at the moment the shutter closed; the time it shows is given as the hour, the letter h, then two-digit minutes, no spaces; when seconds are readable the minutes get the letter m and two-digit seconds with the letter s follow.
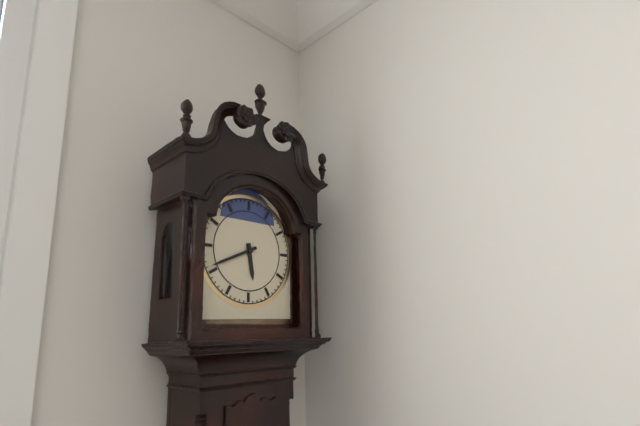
5h41
